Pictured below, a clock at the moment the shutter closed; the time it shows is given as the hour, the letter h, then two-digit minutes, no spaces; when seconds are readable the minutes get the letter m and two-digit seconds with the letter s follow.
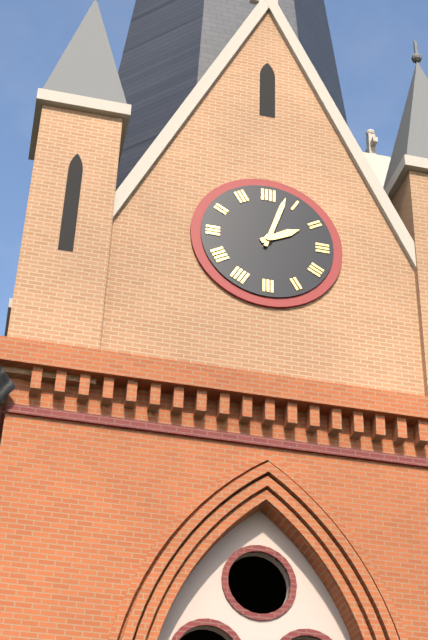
2h03
